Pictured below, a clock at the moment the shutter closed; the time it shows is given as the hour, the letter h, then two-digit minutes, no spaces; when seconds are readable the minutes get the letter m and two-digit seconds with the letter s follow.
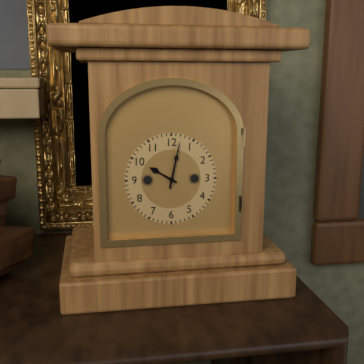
10h02
